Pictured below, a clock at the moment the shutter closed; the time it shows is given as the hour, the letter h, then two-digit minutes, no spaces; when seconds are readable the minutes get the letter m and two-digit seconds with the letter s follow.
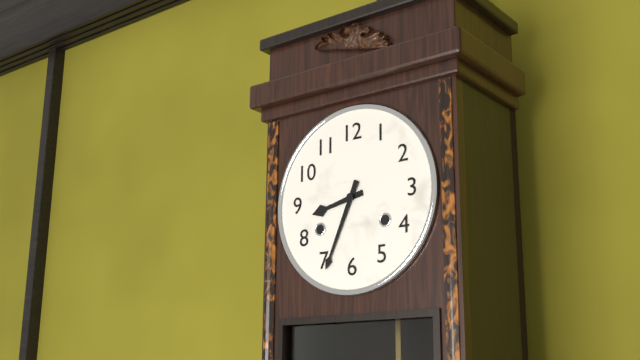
8h34
